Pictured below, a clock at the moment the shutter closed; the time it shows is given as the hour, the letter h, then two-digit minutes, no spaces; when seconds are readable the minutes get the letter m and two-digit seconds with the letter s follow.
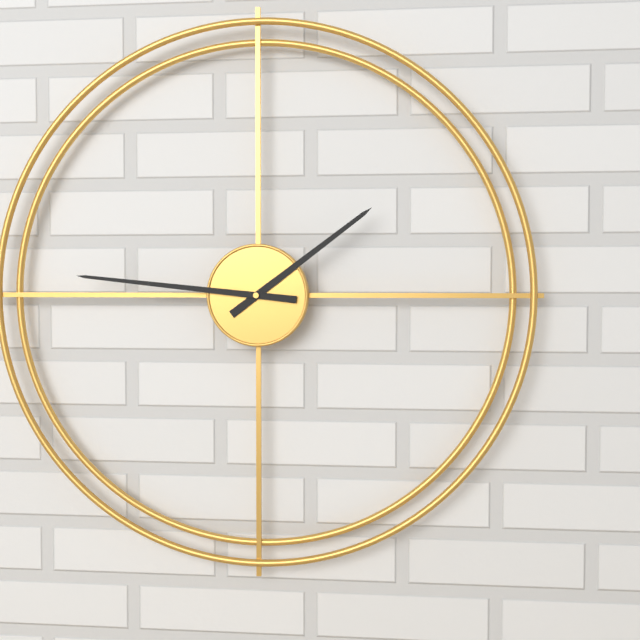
1h46
